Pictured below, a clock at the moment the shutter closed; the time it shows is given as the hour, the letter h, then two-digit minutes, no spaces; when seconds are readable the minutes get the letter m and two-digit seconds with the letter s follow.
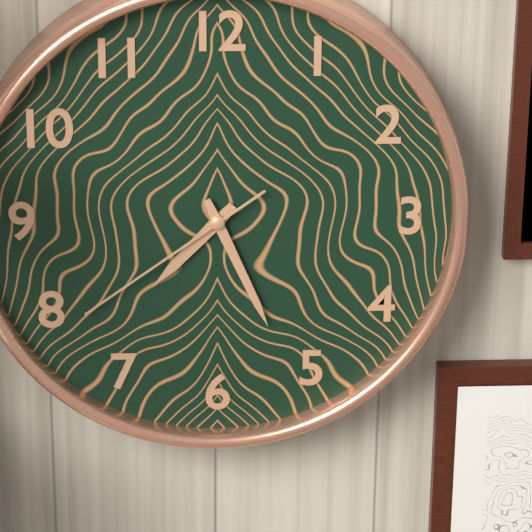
7h26m39s
